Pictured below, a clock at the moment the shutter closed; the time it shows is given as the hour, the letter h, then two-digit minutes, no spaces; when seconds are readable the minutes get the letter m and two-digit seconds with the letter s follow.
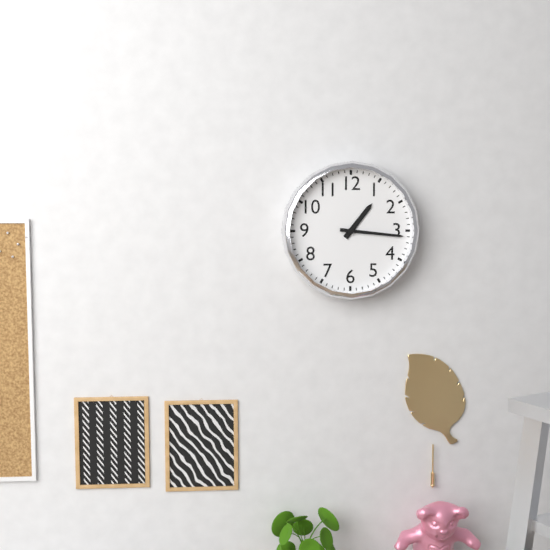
1h16
